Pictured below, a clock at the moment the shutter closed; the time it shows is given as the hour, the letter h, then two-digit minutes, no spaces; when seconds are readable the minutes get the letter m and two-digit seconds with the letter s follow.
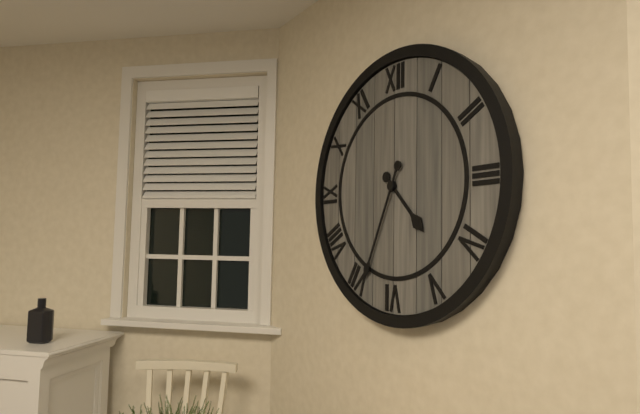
4h34
